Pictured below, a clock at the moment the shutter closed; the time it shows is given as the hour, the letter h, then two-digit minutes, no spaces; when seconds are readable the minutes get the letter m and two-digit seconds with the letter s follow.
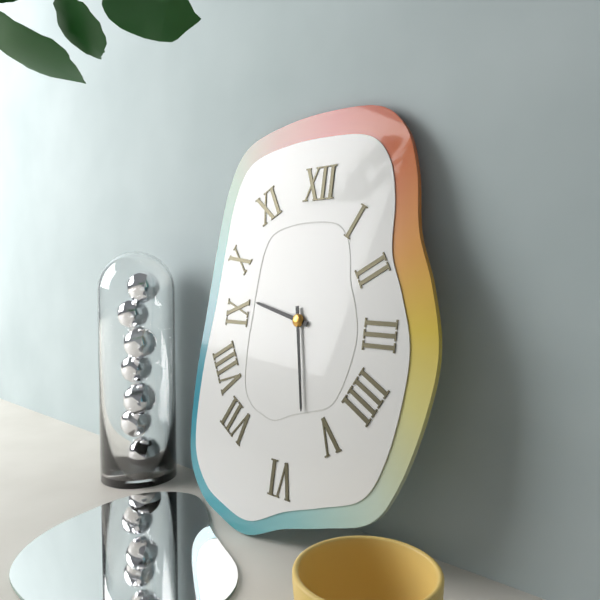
9h28
